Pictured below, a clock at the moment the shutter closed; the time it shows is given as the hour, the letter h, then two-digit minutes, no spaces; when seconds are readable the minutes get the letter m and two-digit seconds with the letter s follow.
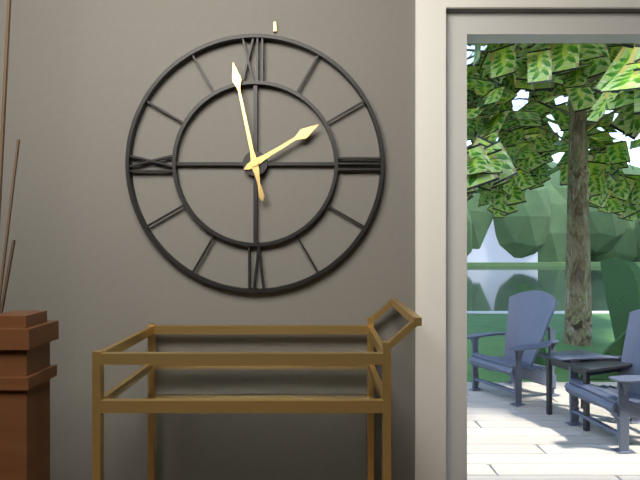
1h58
